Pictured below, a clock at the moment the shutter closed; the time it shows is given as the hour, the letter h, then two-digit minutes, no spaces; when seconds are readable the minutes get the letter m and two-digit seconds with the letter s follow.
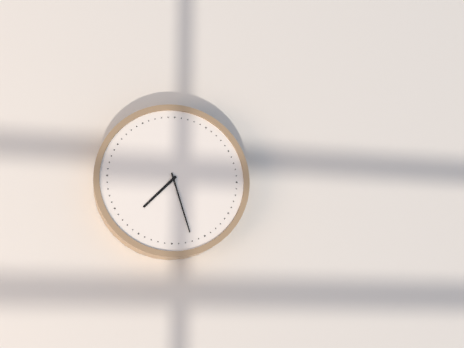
7h27
